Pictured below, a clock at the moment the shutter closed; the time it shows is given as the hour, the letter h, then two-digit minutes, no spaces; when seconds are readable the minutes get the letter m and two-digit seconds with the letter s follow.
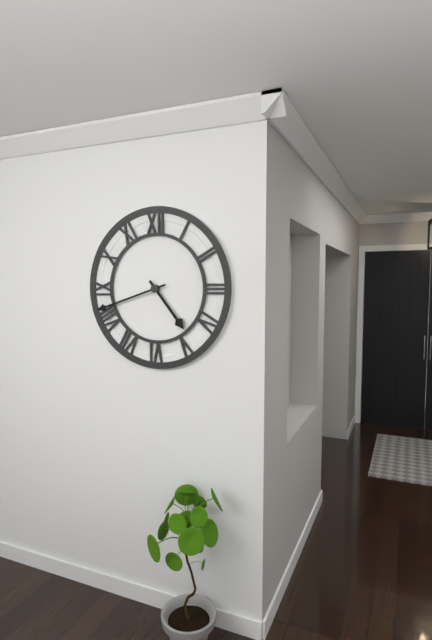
4h42
